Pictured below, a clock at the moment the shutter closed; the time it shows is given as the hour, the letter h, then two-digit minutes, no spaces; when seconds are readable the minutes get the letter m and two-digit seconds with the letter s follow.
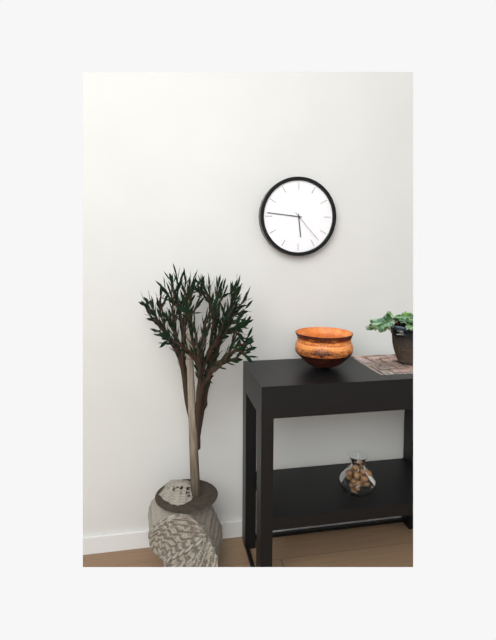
5h46
